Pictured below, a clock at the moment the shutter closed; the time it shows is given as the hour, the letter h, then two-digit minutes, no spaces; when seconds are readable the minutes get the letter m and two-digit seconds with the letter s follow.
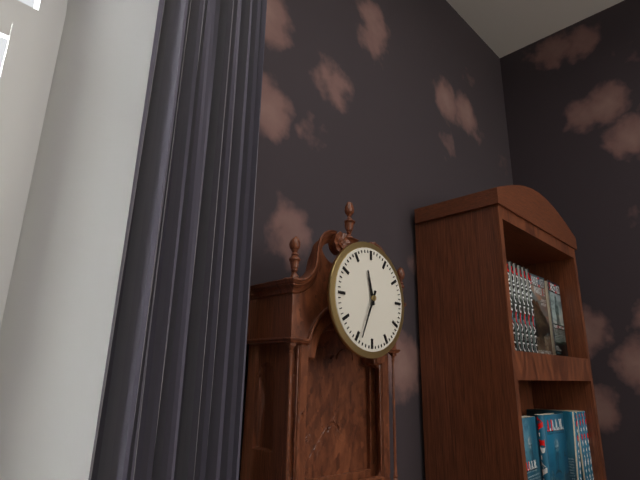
11h34
